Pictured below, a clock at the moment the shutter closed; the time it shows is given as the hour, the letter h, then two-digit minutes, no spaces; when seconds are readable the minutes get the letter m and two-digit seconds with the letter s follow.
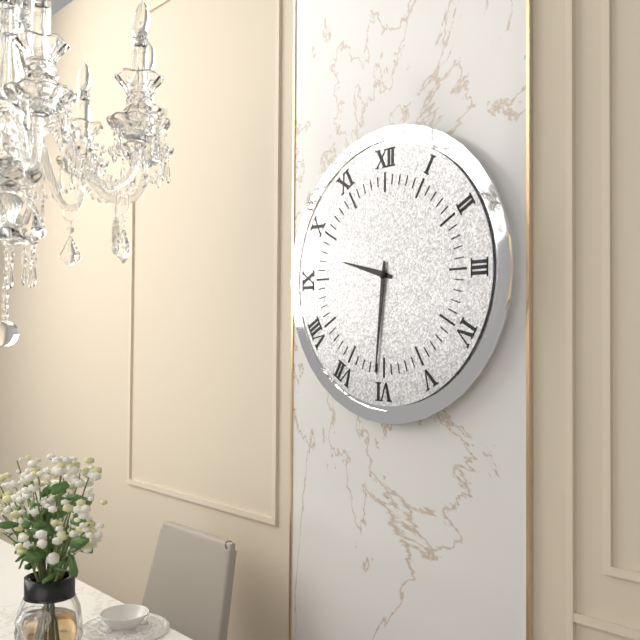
9h31
